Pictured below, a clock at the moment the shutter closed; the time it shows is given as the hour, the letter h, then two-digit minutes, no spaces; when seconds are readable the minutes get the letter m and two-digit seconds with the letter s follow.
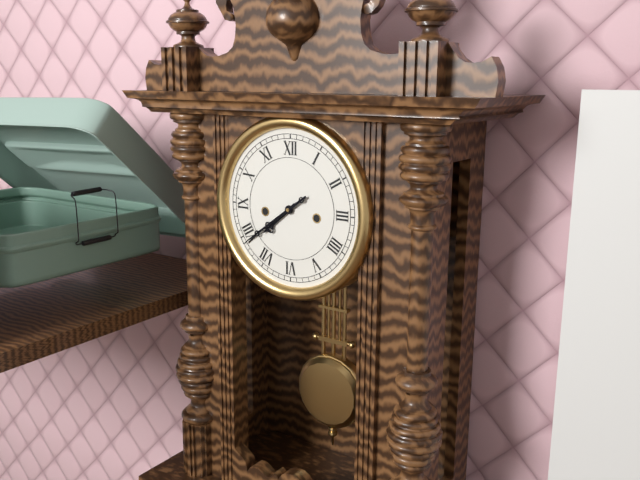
7h39
